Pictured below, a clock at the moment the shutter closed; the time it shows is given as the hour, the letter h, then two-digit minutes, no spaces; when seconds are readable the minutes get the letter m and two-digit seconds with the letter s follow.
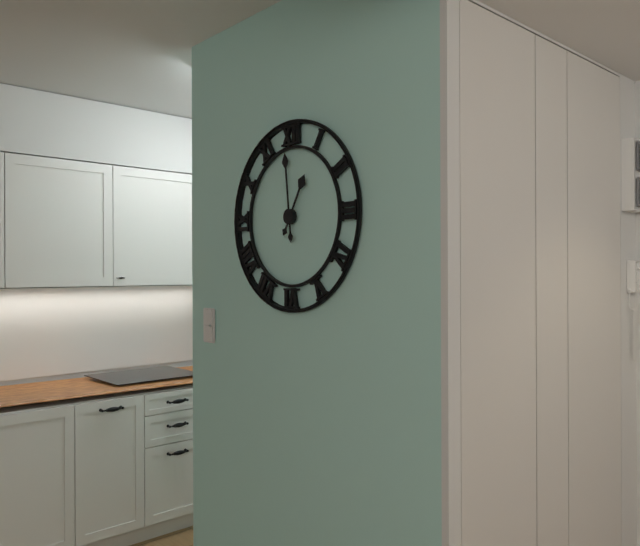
12h59
